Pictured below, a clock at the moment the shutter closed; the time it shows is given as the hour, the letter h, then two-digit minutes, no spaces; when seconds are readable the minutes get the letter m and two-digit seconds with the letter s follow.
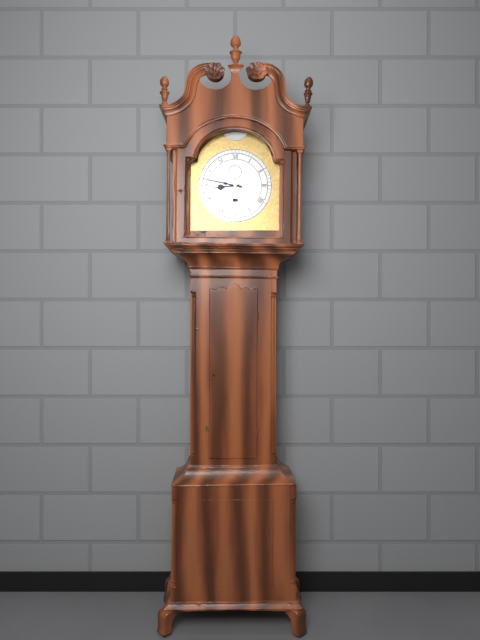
8h47
